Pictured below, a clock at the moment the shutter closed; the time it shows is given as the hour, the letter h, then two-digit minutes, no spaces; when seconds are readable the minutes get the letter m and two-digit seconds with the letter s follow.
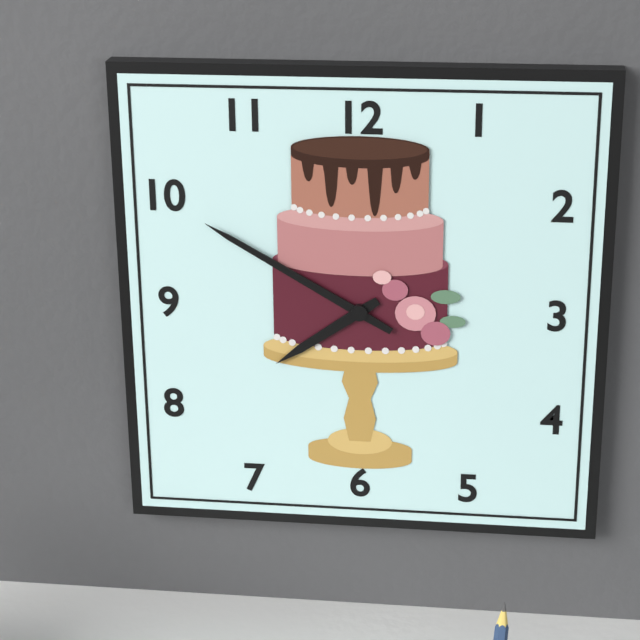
7h50
